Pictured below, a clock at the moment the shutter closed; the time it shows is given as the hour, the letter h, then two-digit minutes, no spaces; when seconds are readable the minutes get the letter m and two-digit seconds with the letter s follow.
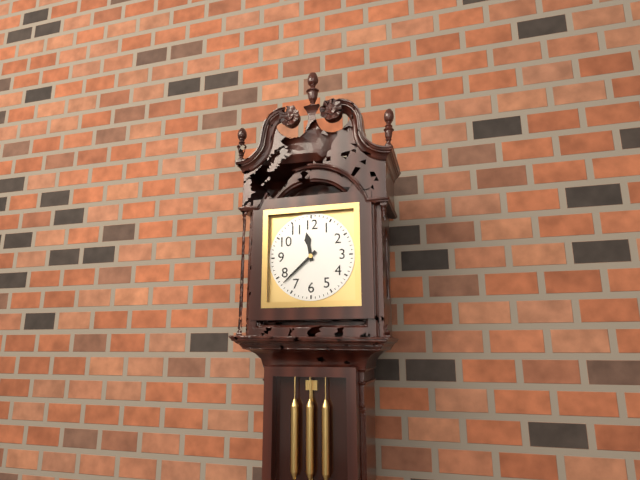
11h38
